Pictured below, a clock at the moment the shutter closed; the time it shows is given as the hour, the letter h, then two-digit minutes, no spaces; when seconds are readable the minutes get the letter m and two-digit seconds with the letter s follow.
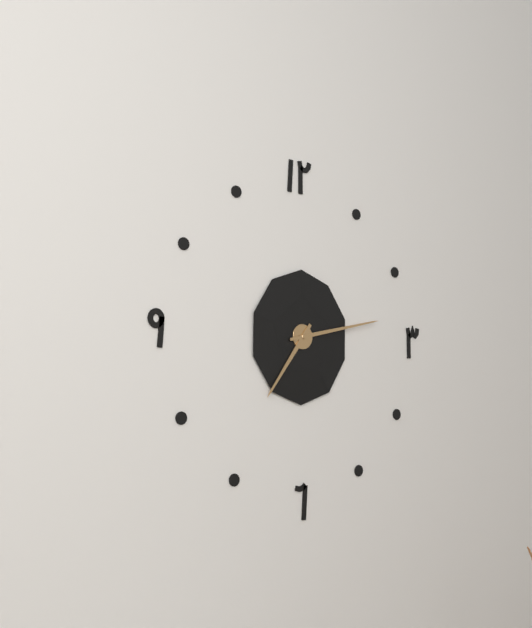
7h13
